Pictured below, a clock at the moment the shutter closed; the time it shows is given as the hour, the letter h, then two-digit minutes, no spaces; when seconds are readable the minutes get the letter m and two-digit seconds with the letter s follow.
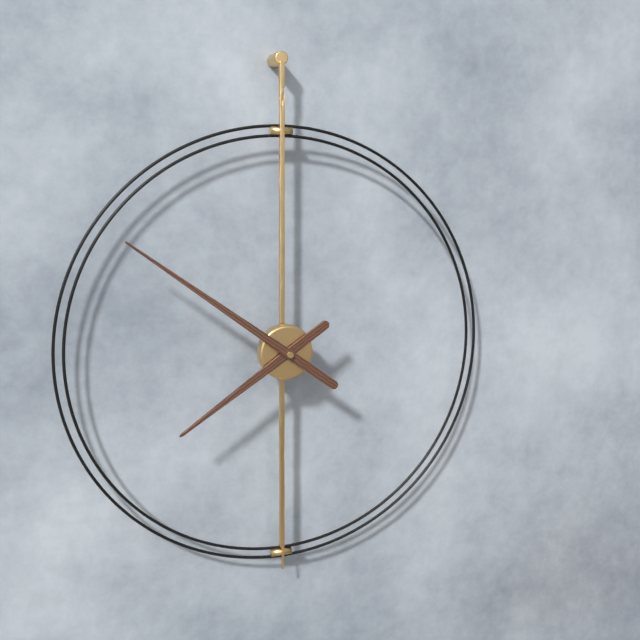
7h51
